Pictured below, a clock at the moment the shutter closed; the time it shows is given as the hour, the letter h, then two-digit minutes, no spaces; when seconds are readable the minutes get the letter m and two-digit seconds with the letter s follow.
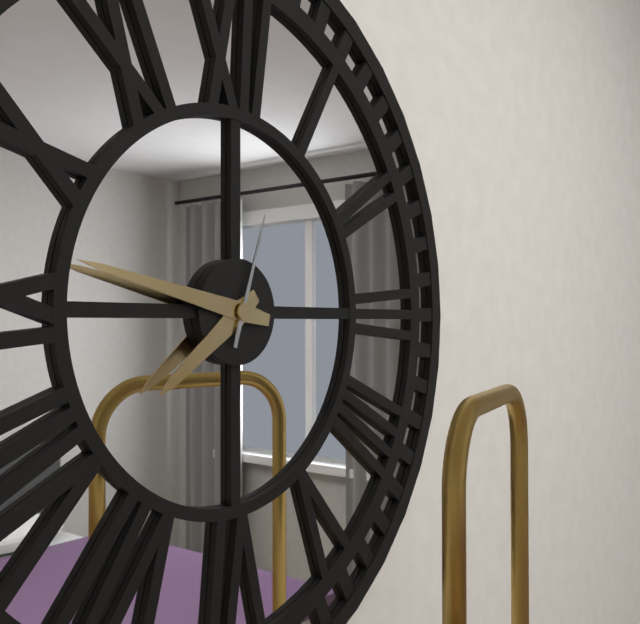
7h47m03s
